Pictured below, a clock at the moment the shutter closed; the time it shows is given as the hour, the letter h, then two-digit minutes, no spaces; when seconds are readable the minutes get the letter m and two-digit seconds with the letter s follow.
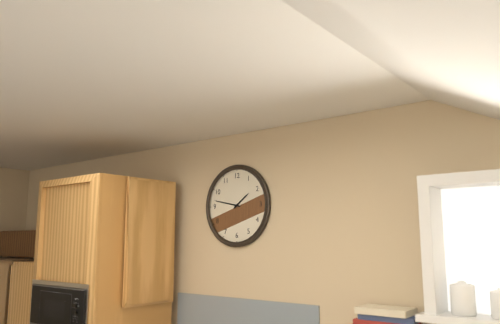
1h47
